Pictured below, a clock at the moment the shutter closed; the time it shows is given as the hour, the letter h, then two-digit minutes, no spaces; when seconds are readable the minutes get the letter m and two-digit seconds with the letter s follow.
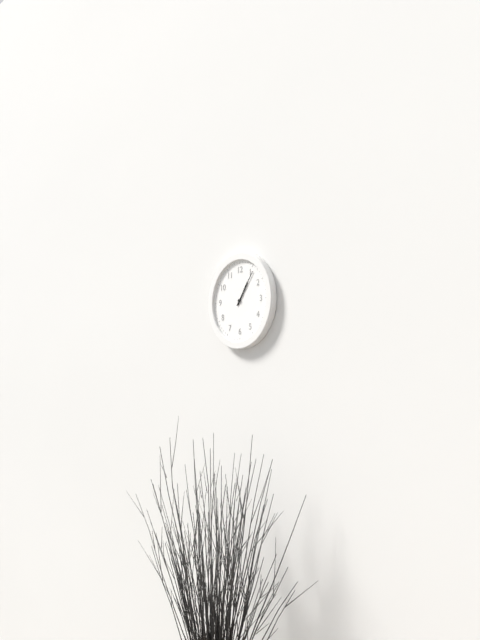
1h06
